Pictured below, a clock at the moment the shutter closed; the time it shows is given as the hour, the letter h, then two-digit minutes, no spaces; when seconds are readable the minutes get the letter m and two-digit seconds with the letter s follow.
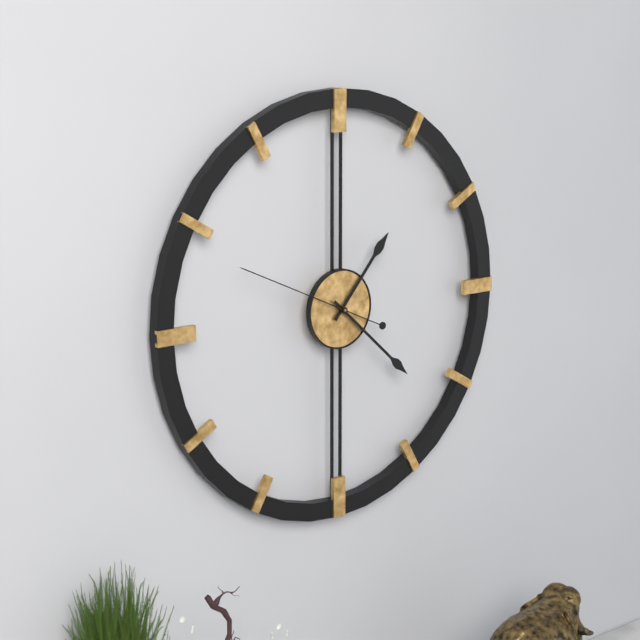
1h22m49s
